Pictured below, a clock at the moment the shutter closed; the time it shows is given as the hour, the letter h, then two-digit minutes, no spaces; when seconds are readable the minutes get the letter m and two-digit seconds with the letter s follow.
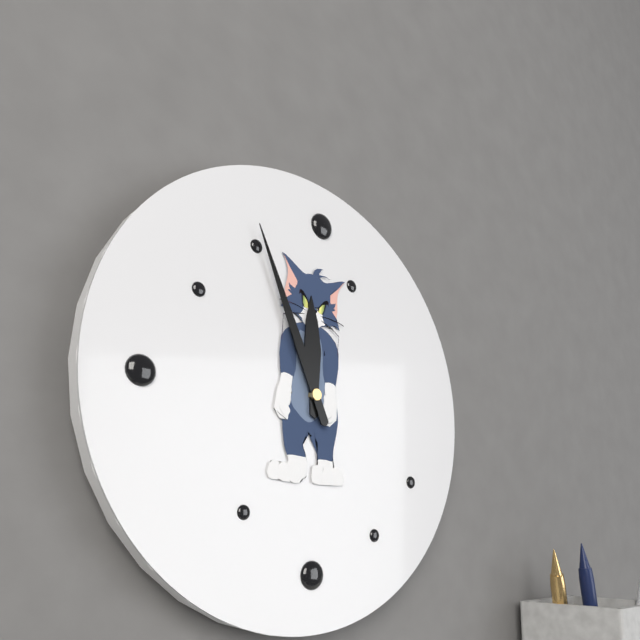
11h56
